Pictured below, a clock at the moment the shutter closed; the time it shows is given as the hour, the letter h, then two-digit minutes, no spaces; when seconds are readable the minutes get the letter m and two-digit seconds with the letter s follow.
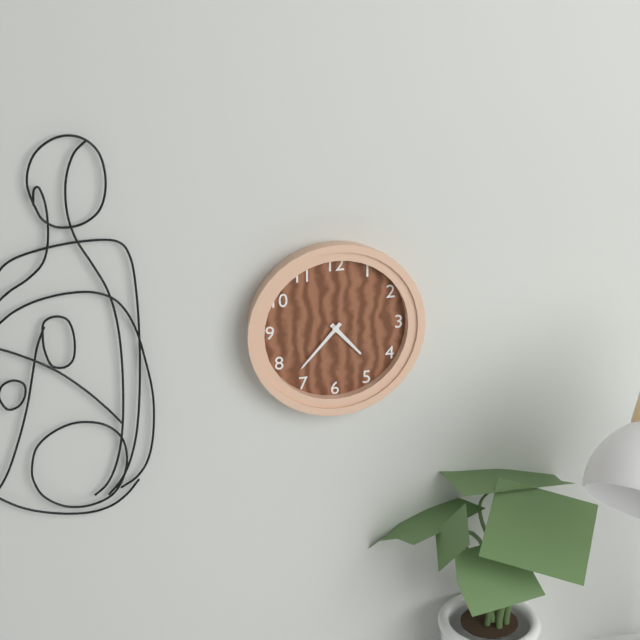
4h37
